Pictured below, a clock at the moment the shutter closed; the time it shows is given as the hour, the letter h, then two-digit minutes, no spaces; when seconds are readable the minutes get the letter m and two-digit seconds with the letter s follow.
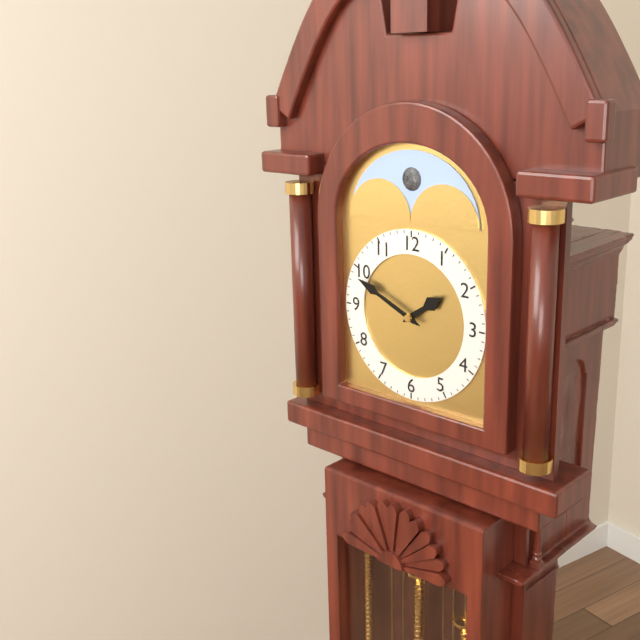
1h49
